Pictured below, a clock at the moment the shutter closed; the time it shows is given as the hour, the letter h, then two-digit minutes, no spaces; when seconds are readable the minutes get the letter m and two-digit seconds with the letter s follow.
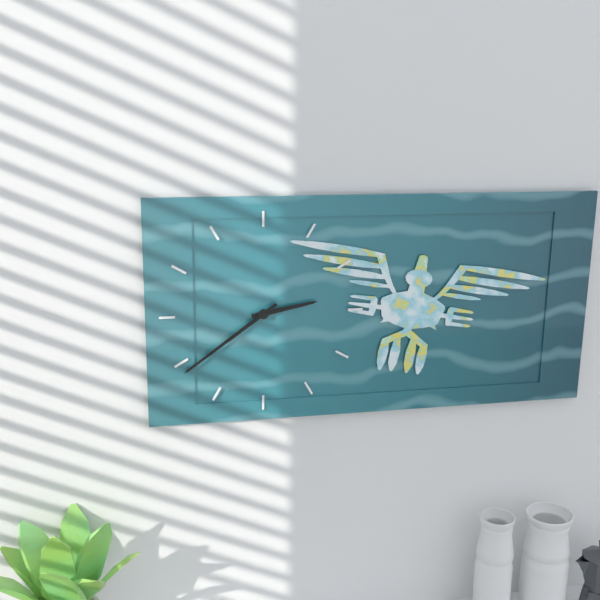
2h39
